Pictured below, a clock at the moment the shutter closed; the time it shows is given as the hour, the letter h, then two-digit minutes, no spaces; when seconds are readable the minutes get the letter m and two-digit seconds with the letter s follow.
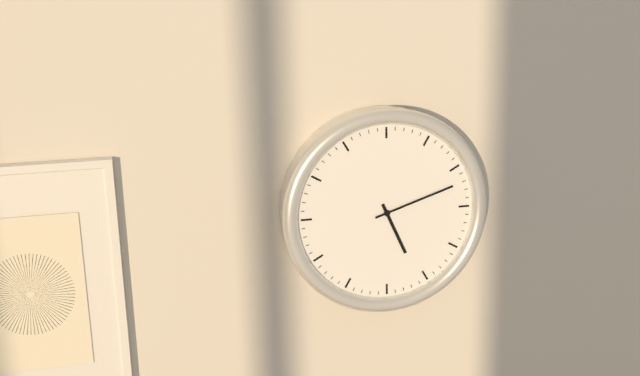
5h12
